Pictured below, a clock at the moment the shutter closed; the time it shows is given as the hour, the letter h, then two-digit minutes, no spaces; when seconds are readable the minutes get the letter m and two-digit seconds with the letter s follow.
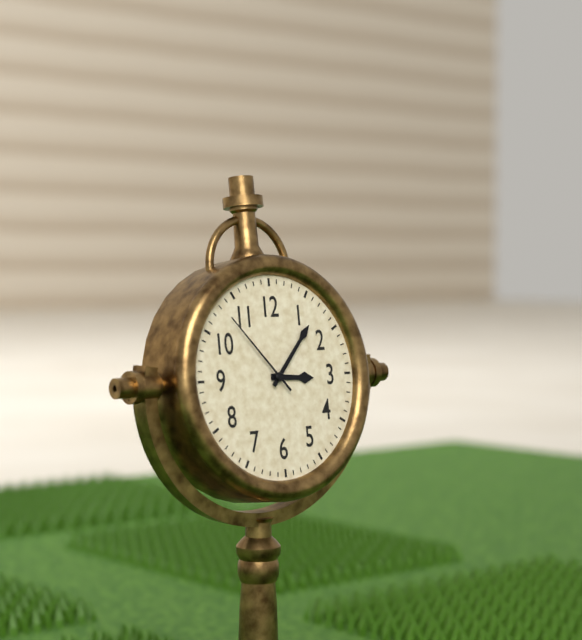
3h07m53s
